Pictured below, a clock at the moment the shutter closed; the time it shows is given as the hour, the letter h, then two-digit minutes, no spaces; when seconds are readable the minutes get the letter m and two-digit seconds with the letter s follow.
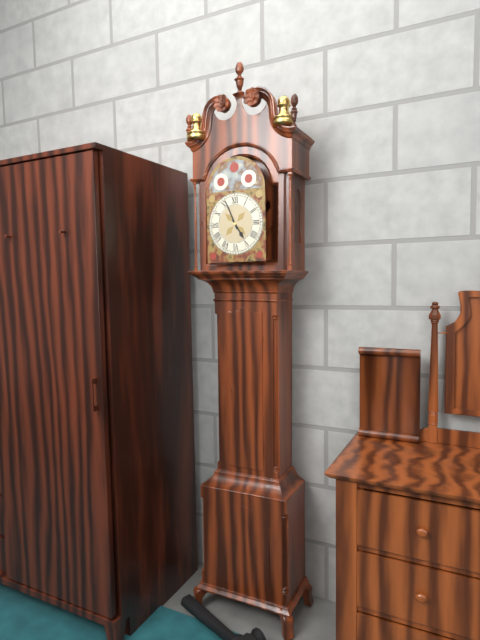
4h56
